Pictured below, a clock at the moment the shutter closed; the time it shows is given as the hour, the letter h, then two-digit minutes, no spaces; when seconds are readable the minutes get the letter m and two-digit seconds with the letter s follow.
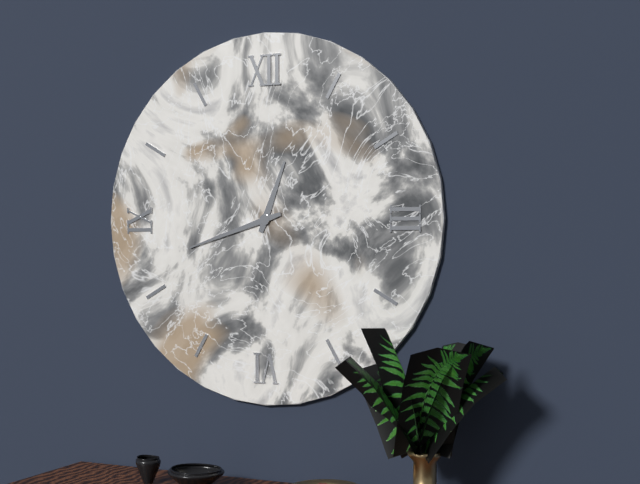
12h42
